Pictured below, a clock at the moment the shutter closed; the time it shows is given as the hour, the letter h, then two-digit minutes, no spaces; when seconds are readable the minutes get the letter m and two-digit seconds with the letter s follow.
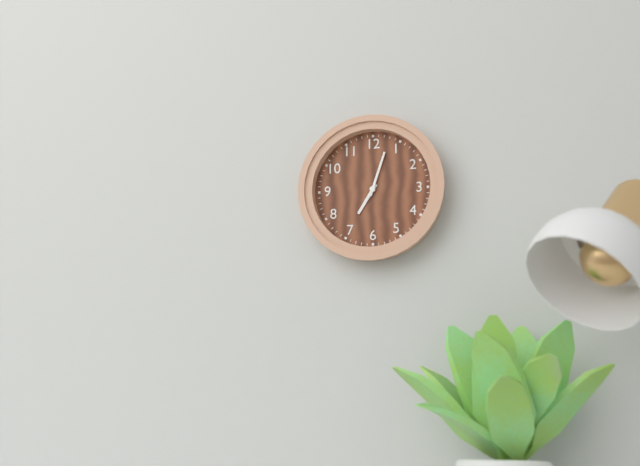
7h03
